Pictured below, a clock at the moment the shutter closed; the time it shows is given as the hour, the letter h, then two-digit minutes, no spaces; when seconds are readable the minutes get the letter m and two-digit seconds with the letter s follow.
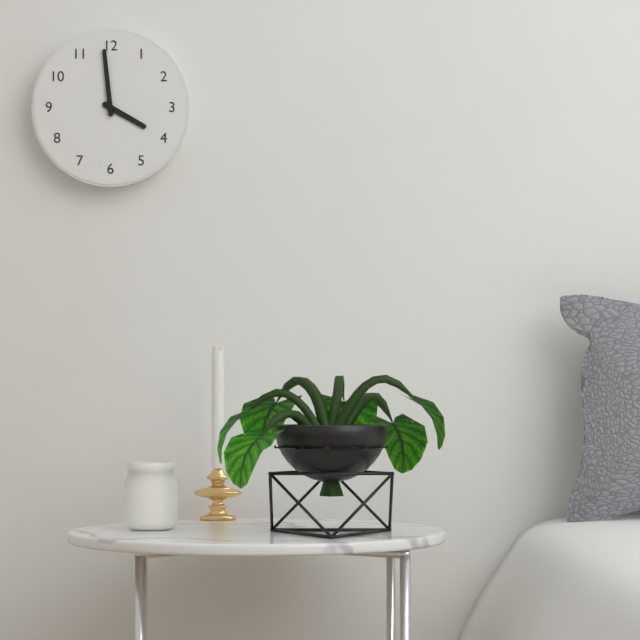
3h59
